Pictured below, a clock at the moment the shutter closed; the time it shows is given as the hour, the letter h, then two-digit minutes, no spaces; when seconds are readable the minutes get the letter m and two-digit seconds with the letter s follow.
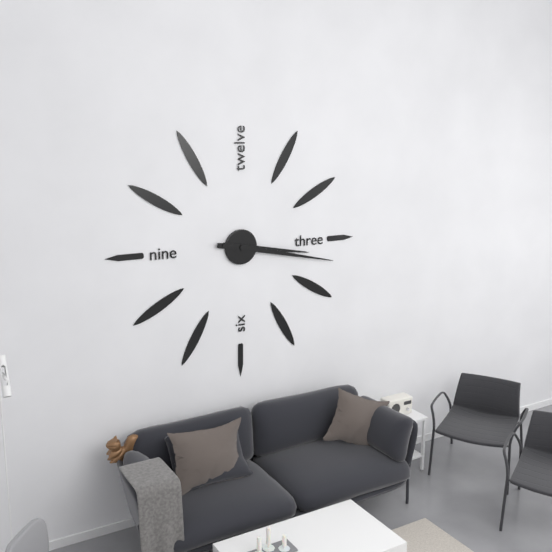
3h17
